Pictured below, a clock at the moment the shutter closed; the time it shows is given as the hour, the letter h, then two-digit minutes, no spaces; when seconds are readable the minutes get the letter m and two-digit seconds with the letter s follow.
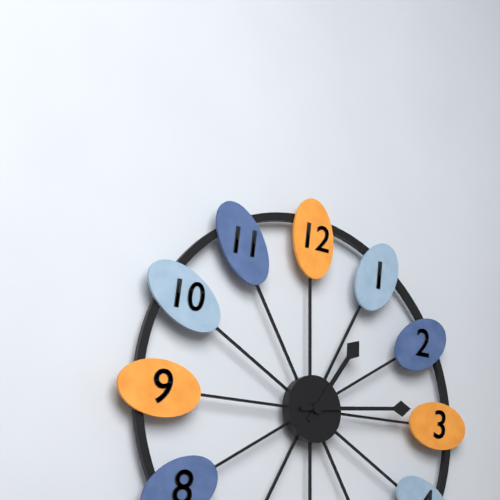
1h14
